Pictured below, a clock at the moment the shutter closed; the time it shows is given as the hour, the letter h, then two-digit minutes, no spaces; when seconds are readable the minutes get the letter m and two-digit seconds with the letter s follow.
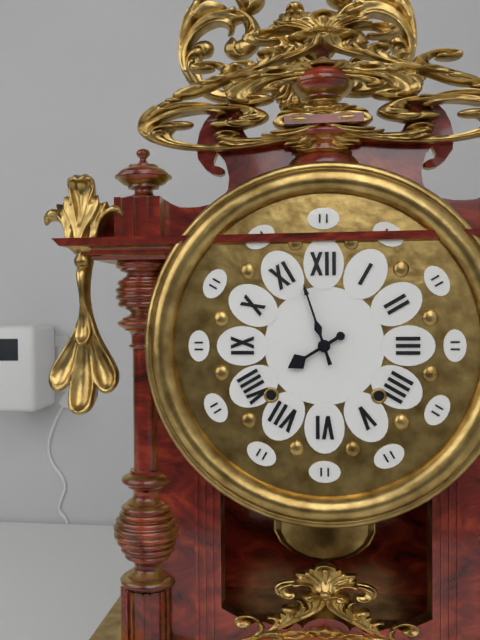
7h57
